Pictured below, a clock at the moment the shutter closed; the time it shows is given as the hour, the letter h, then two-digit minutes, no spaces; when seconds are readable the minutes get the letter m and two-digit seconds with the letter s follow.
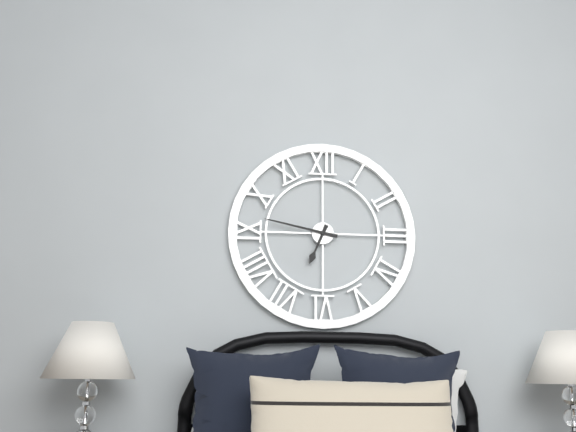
6h47
